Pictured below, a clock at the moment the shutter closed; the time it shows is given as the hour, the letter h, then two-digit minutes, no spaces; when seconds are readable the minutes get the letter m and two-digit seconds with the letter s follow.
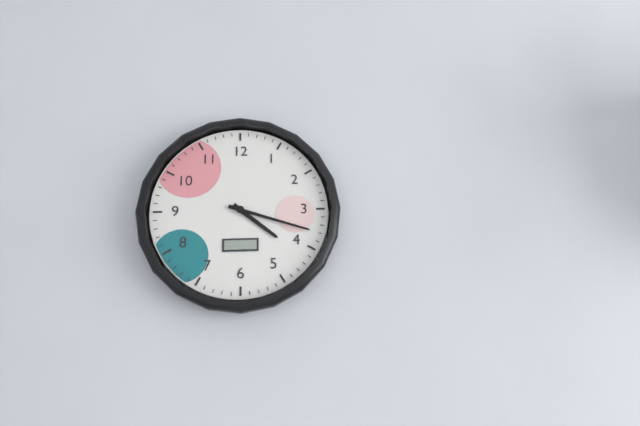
4h18
